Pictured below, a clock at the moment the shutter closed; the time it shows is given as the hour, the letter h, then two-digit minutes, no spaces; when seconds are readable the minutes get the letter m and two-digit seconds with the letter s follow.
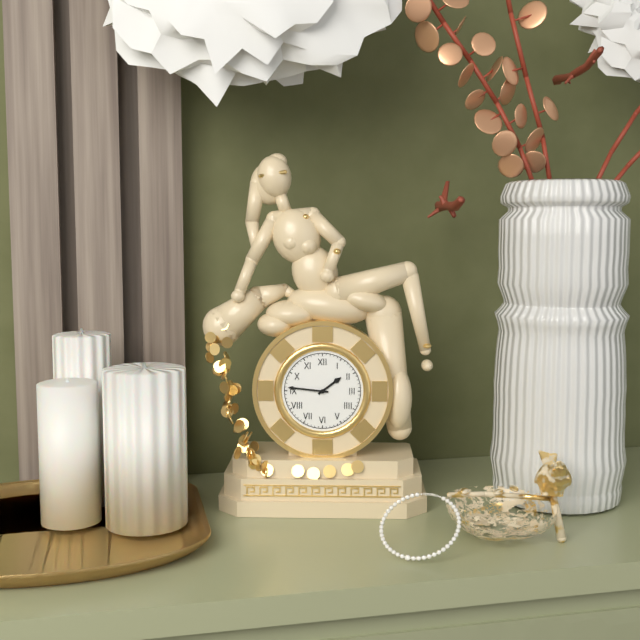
1h46
